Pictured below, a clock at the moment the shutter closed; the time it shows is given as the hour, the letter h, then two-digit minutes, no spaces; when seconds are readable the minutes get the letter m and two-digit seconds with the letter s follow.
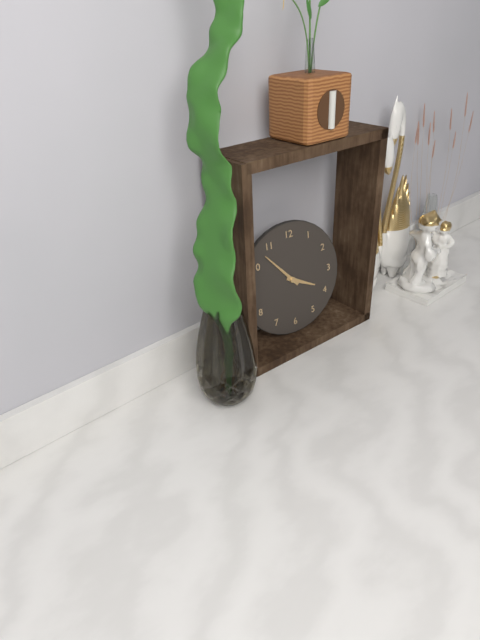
3h53
